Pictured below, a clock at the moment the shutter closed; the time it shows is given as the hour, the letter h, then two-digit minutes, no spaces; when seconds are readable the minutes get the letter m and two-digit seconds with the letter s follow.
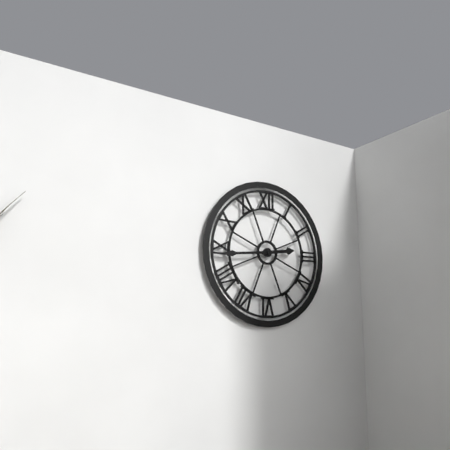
2h44
